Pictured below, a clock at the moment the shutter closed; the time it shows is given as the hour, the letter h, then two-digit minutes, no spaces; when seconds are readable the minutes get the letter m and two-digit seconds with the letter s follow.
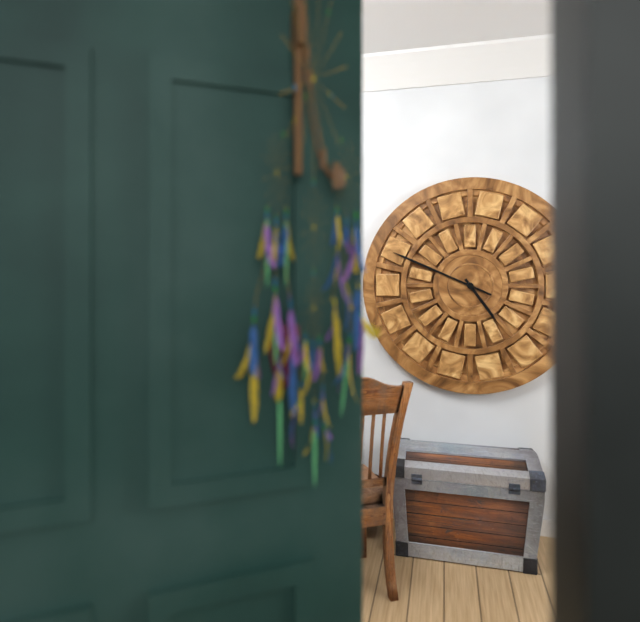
4h49
